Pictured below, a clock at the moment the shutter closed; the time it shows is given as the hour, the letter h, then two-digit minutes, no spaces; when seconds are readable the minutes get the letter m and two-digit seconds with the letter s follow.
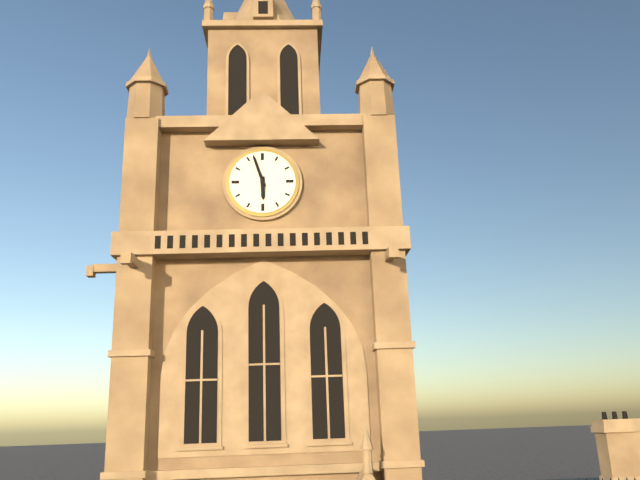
5h57
